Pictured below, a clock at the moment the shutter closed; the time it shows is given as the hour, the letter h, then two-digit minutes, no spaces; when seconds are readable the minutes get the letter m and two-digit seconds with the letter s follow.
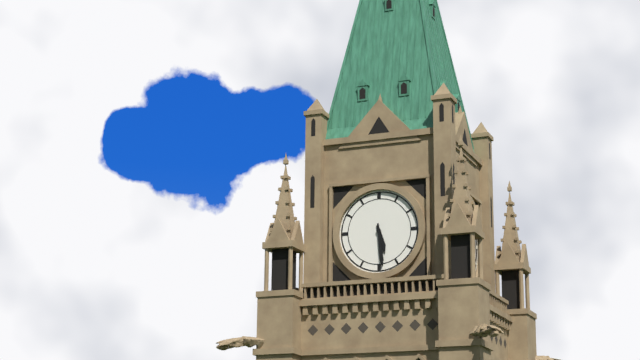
5h29
